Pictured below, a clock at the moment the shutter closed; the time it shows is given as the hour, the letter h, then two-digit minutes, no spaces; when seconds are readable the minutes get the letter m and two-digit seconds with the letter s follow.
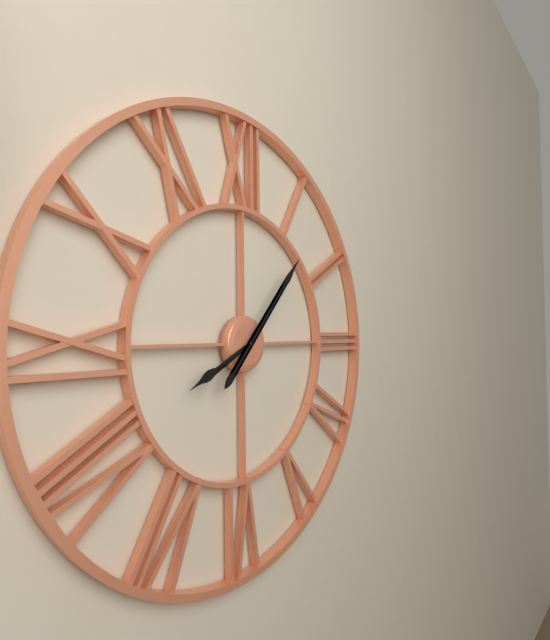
8h07
